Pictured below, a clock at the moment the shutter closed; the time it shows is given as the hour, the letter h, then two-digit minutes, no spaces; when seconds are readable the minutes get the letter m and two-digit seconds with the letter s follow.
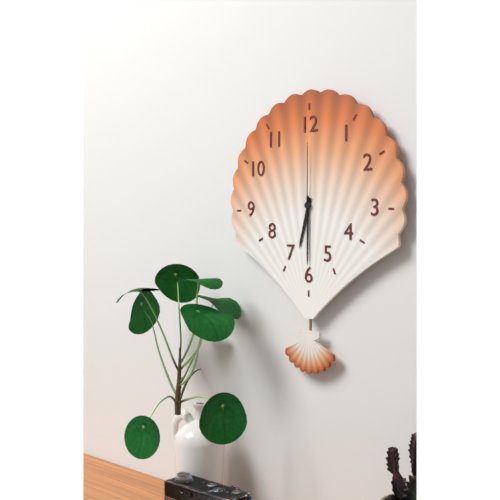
6h30m00s
